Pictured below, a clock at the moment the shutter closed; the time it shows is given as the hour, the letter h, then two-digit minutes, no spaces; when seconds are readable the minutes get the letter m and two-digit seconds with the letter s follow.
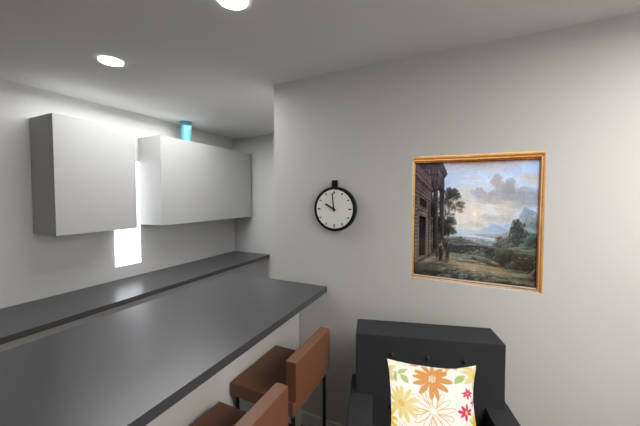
9h59
